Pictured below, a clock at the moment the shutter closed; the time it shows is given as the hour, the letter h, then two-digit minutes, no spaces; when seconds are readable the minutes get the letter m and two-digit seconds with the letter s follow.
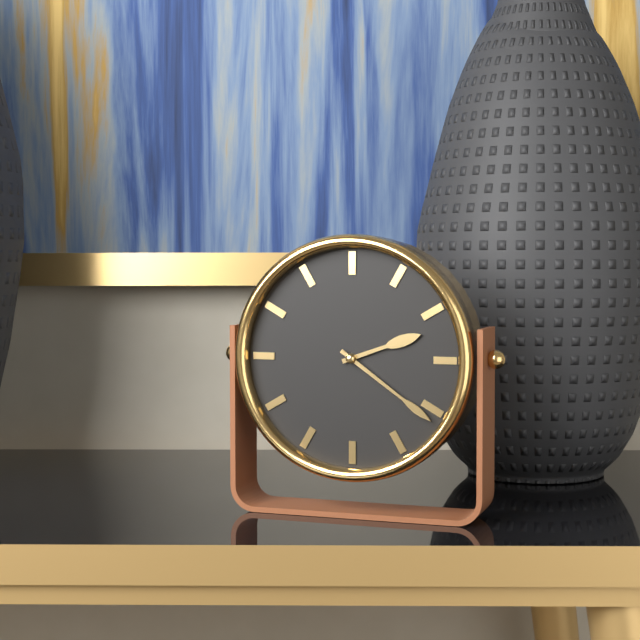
2h21
